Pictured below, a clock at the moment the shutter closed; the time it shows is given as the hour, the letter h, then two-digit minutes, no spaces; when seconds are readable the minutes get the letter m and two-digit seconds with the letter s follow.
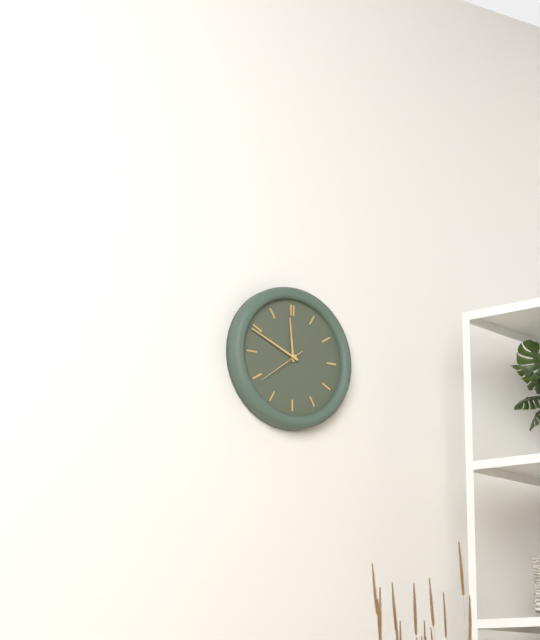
11h49
